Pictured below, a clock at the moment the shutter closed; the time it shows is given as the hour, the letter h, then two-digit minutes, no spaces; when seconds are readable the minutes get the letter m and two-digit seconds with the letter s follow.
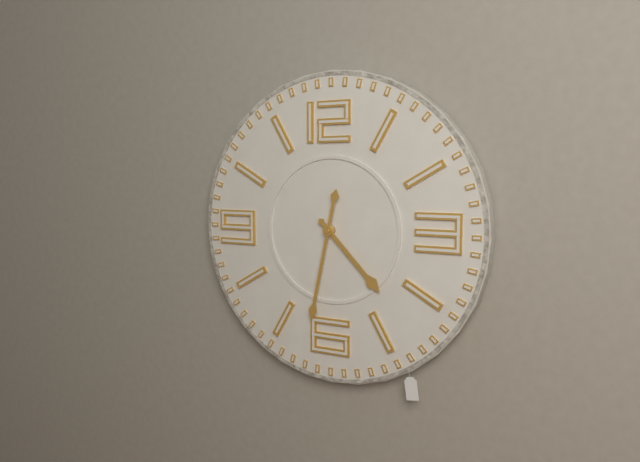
4h32
